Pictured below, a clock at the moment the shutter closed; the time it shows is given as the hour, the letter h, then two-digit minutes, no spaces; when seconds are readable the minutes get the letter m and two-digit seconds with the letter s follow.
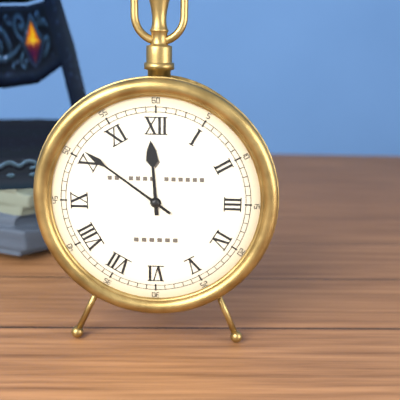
11h51
